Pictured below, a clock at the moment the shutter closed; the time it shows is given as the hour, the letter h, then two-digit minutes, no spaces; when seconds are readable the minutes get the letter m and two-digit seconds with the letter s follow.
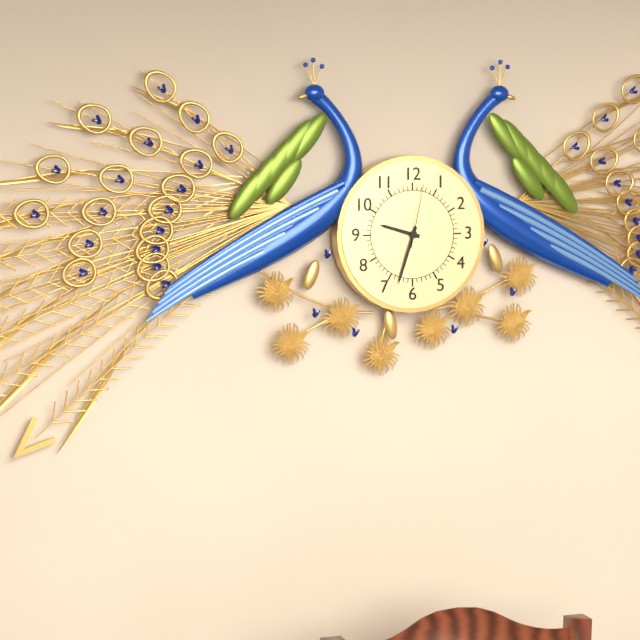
9h33m02s
